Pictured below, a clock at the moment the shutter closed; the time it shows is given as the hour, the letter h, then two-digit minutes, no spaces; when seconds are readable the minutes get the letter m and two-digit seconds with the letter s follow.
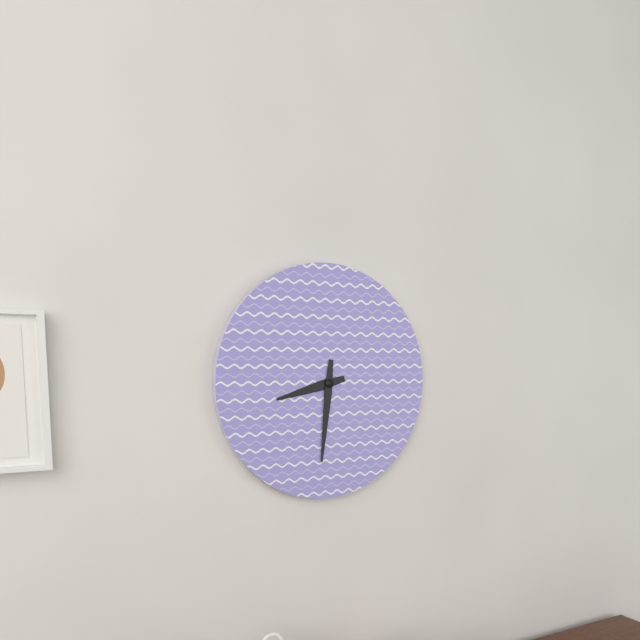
8h31
